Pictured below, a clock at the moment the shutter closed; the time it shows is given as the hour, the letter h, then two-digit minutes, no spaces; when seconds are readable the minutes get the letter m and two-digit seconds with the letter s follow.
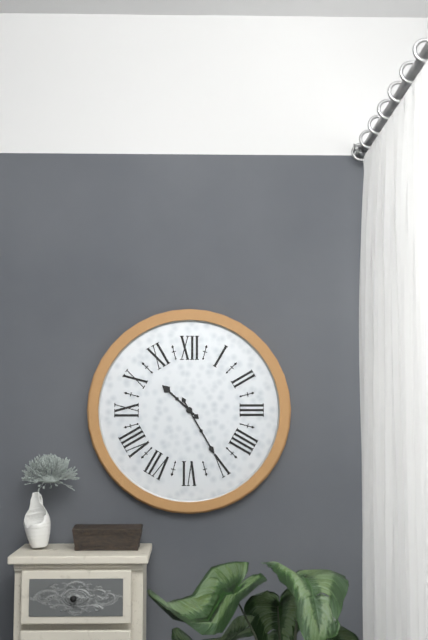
10h25
